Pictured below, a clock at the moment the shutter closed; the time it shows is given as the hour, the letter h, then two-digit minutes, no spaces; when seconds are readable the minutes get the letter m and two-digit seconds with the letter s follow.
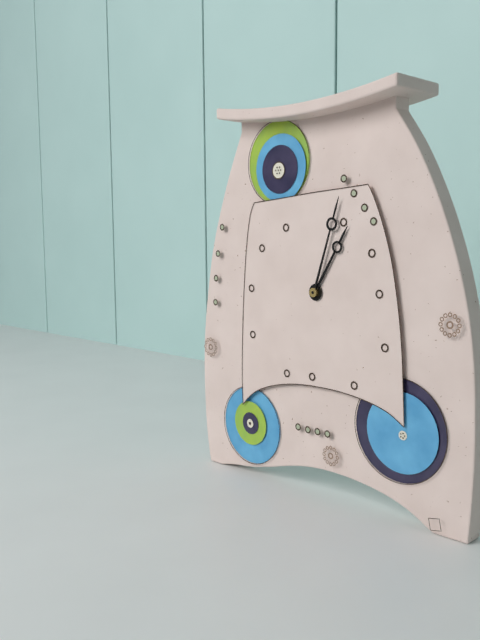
1h03
